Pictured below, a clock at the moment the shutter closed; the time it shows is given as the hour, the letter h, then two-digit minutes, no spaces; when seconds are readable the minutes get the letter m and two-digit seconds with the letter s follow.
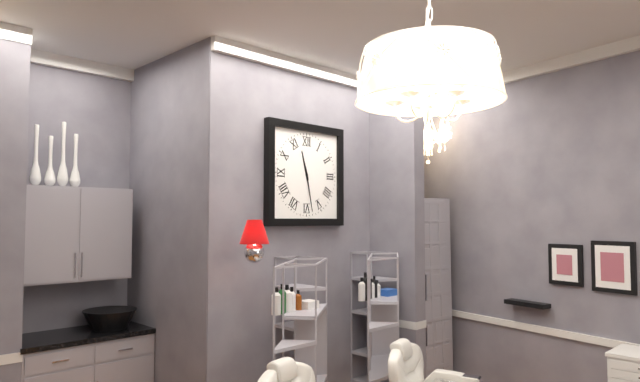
11h28
